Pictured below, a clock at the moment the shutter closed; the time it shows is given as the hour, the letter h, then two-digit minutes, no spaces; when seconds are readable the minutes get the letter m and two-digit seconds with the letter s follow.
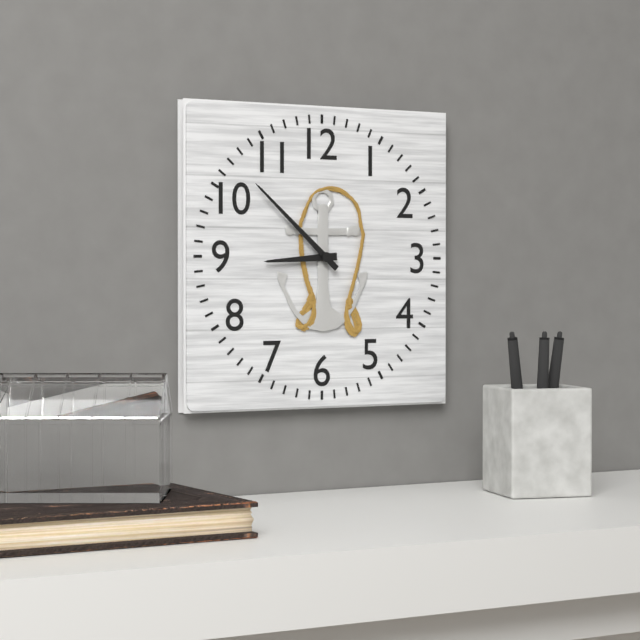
8h52
